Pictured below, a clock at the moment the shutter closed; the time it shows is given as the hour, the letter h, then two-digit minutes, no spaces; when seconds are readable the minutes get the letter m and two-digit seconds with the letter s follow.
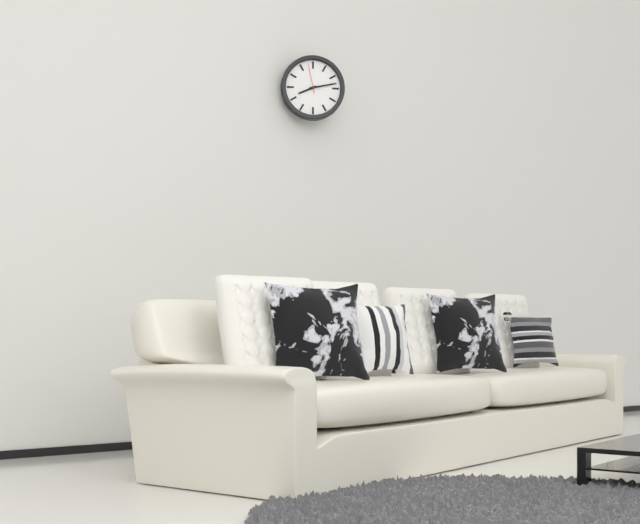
8h13
